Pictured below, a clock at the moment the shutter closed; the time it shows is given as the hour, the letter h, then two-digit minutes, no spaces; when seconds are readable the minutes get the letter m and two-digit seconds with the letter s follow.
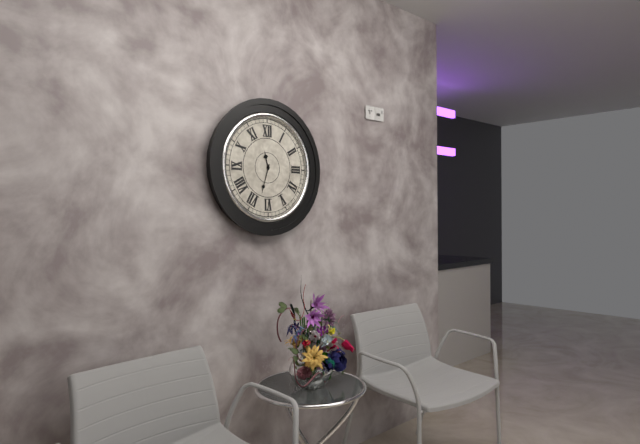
11h33
